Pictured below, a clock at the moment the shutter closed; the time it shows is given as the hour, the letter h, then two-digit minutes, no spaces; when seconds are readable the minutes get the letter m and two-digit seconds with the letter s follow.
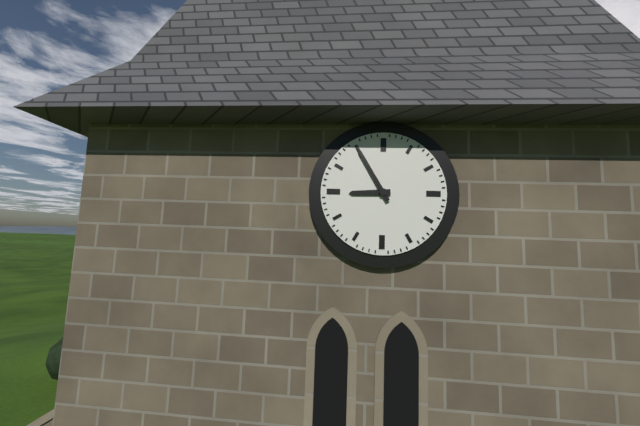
8h55
